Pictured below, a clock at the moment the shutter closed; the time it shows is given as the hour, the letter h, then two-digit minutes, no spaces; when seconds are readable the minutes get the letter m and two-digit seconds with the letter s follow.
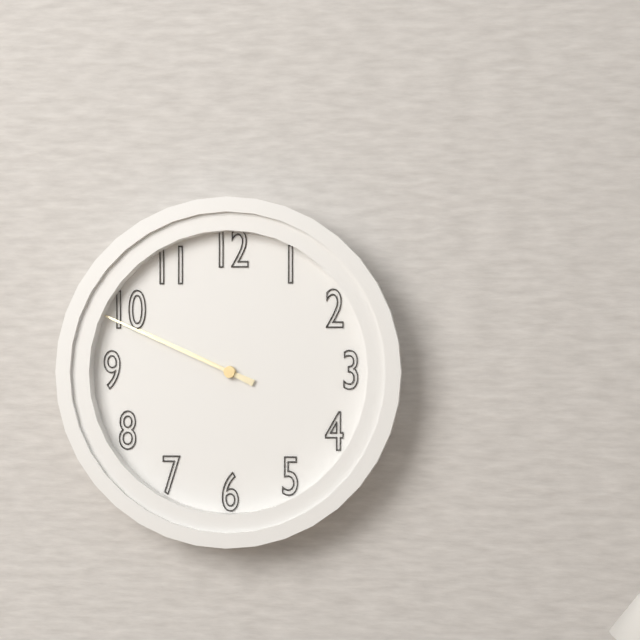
9h49
